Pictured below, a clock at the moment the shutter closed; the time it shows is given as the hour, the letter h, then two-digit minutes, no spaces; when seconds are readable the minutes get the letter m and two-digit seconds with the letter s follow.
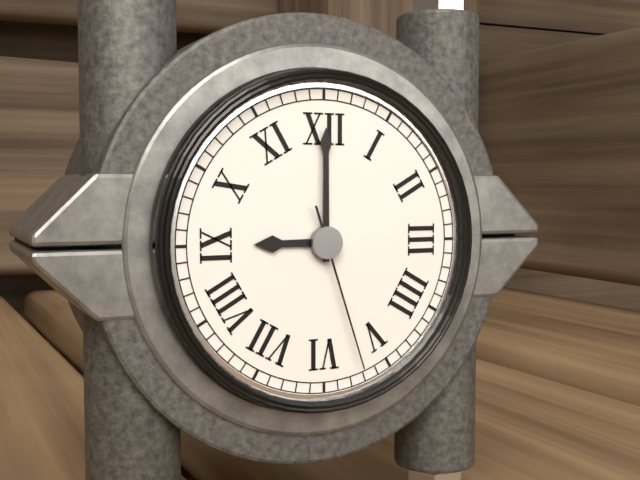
9h00m27s
